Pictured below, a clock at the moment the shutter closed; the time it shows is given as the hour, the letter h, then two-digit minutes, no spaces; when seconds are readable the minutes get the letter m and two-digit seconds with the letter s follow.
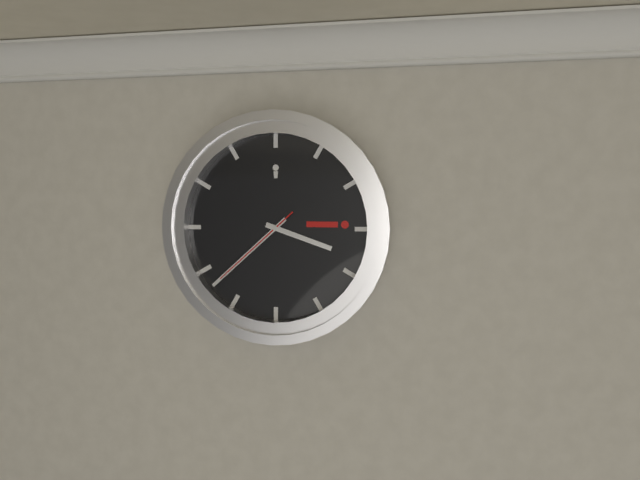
3h38m38s
